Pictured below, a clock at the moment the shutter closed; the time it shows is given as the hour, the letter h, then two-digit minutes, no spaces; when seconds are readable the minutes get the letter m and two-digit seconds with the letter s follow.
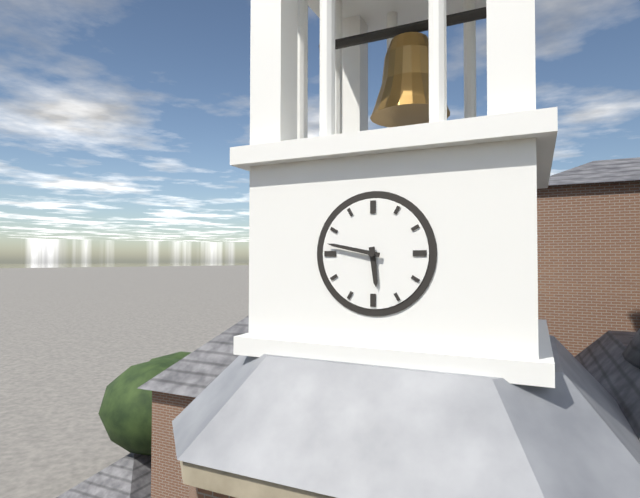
5h47
